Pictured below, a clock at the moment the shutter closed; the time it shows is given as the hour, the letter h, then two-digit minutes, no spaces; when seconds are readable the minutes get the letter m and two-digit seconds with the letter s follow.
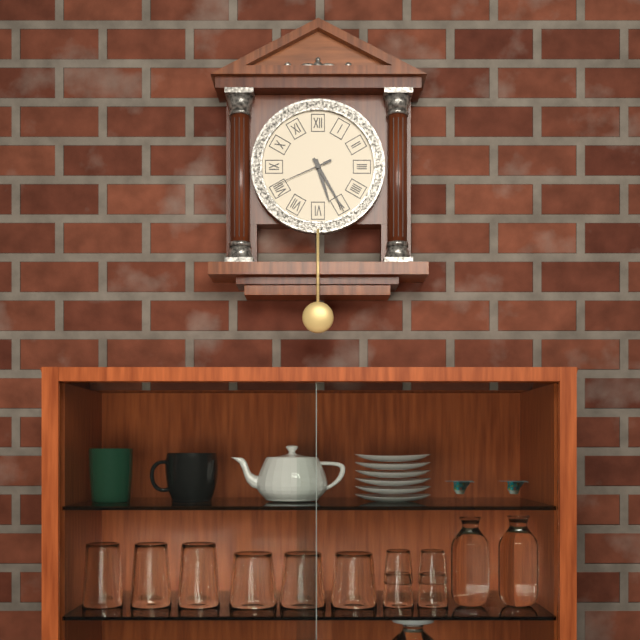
5h25m41s
